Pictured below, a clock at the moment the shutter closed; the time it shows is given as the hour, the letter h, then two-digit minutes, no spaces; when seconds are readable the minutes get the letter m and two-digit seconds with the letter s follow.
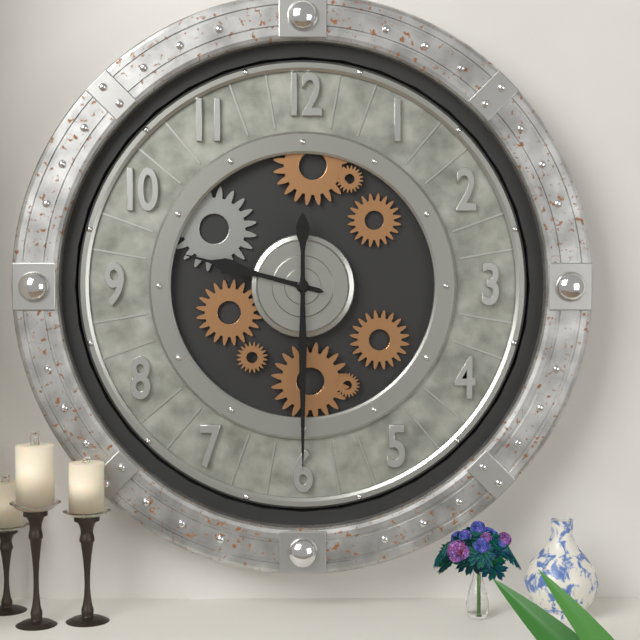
9h30
